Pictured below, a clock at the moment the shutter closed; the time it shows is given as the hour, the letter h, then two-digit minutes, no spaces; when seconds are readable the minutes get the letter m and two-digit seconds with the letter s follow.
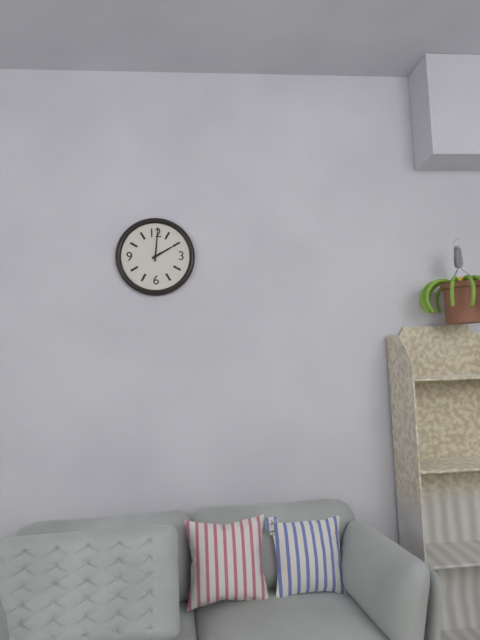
2h01
